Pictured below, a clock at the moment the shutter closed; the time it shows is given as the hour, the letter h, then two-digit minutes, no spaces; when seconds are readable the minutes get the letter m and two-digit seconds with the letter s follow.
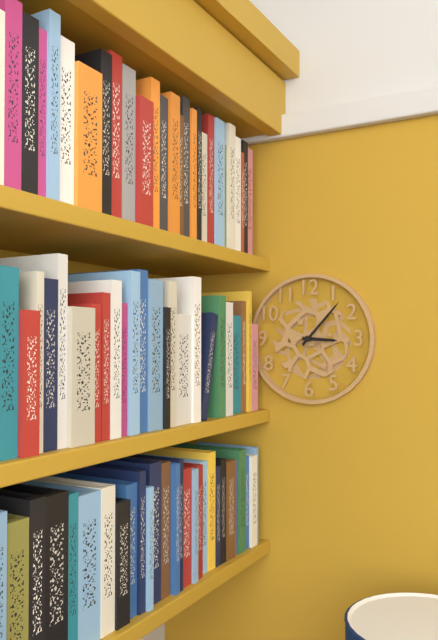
3h07
